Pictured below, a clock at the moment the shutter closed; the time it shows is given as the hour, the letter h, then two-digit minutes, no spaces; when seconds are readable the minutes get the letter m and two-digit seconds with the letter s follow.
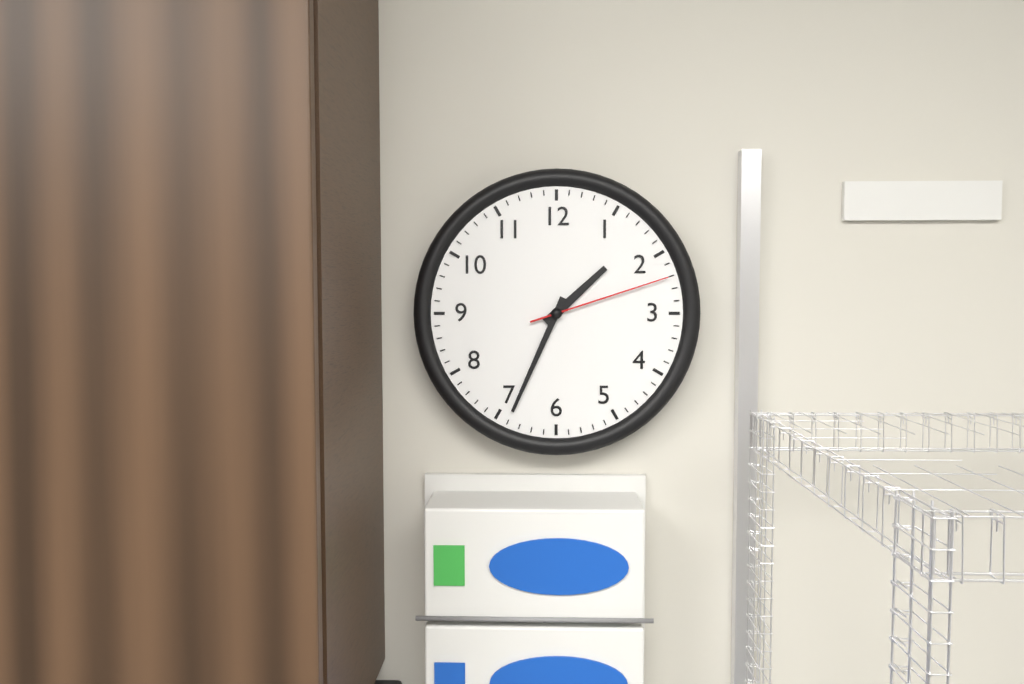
1h34m12s
